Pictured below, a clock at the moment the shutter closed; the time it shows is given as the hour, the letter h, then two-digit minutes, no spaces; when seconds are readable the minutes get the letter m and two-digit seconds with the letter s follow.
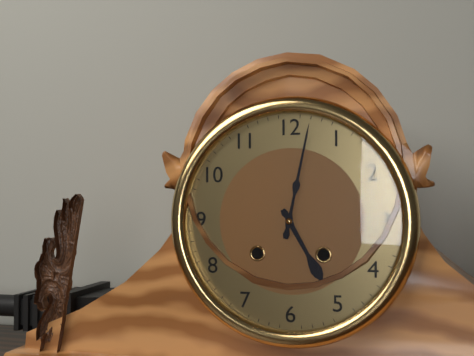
5h02
